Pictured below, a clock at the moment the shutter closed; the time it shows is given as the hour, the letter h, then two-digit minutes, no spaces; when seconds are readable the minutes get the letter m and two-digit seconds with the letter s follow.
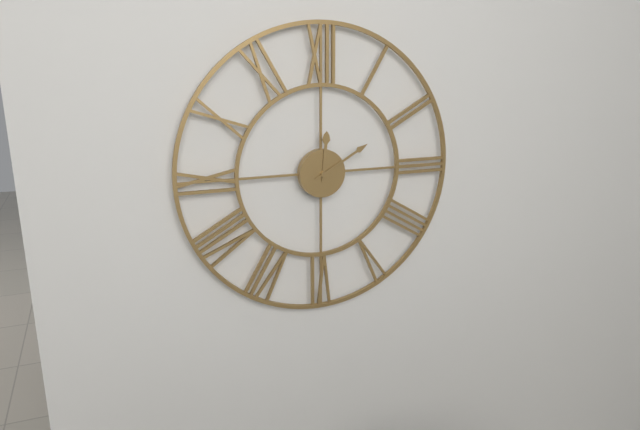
12h10
